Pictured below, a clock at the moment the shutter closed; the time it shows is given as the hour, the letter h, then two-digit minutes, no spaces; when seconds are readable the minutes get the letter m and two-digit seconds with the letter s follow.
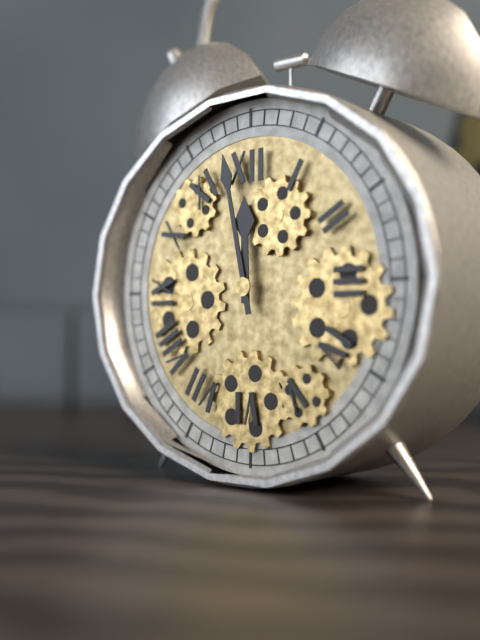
11h58
